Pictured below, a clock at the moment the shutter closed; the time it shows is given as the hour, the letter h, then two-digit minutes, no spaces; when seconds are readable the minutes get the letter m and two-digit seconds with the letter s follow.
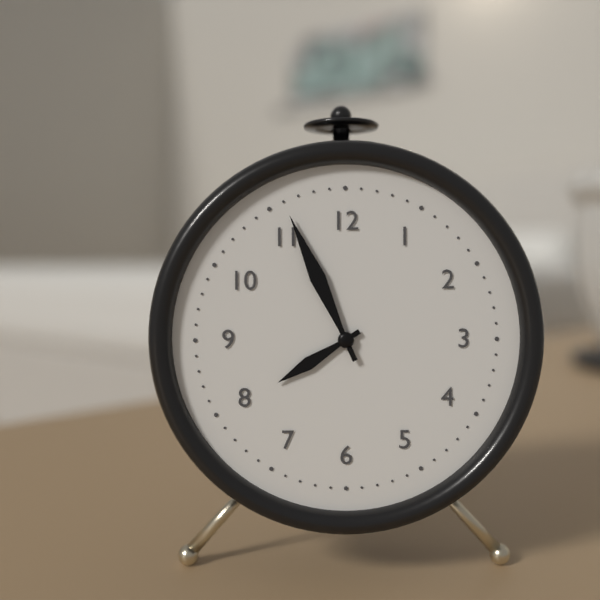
7h56
